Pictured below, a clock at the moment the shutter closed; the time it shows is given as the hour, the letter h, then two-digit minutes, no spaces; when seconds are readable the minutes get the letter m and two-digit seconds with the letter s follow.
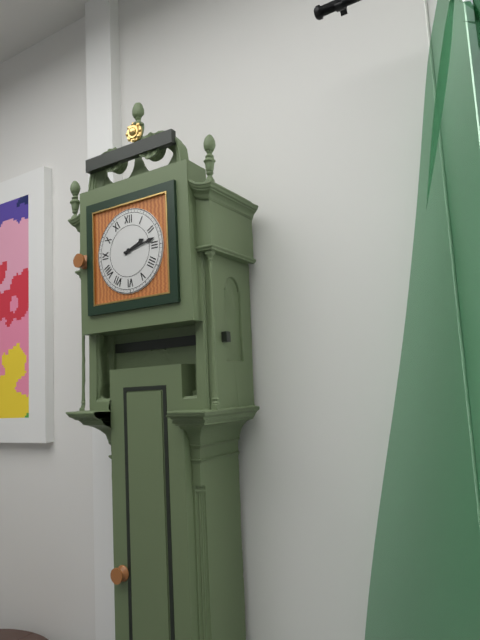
2h13
